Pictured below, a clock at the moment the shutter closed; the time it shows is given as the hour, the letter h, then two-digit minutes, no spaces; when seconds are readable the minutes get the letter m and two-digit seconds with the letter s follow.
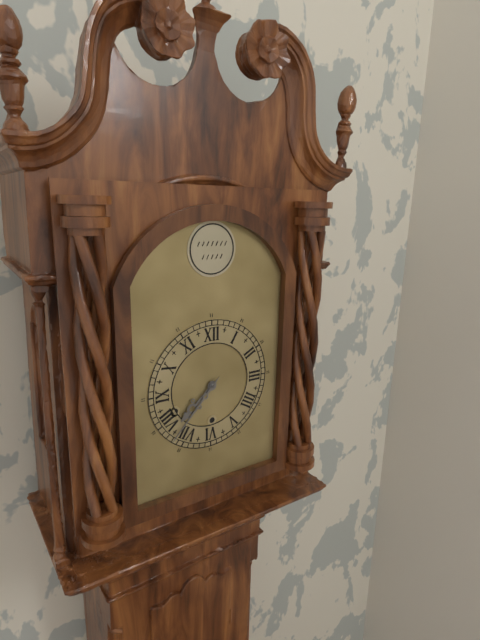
7h37
